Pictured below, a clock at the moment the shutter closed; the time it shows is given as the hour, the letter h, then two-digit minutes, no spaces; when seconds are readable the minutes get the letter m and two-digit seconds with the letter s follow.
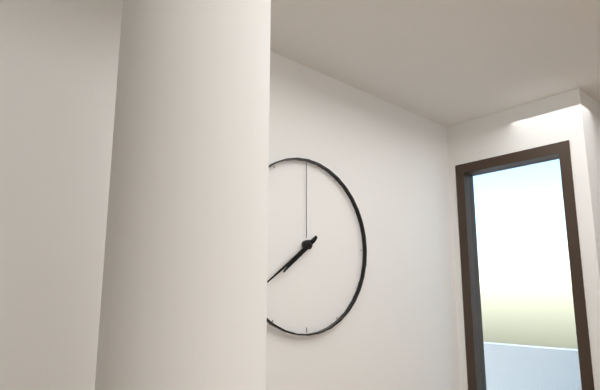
7h39
